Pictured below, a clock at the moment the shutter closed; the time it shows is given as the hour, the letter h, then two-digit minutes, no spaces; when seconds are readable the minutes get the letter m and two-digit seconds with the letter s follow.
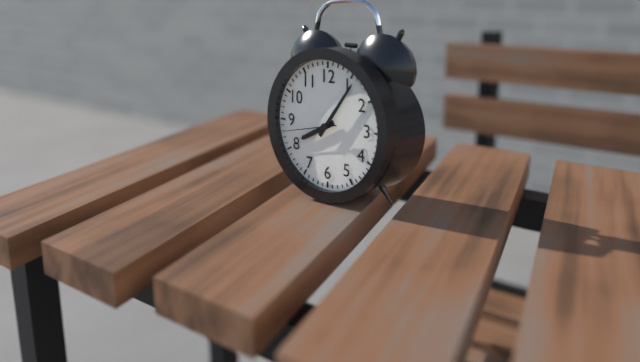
8h06m43s
